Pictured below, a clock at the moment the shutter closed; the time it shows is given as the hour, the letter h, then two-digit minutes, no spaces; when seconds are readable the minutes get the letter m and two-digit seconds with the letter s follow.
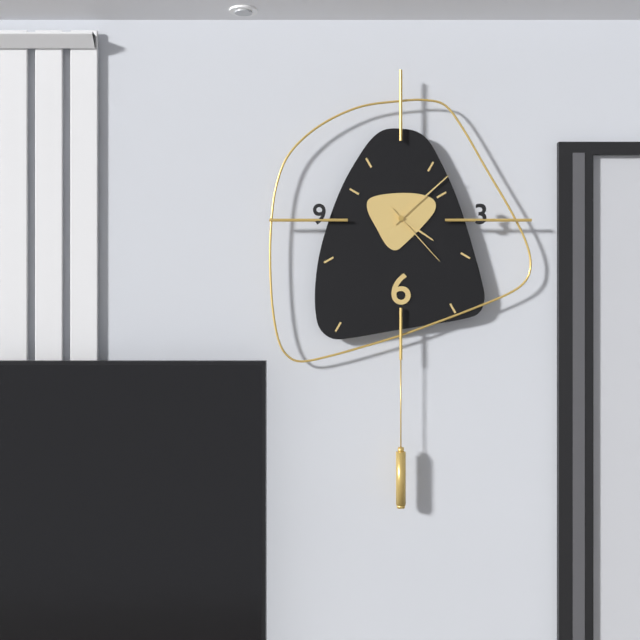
4h08m23s
